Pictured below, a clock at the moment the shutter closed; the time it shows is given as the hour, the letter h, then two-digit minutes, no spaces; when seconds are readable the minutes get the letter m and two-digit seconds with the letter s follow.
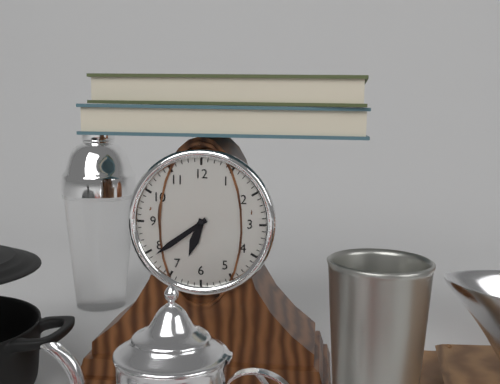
6h39
